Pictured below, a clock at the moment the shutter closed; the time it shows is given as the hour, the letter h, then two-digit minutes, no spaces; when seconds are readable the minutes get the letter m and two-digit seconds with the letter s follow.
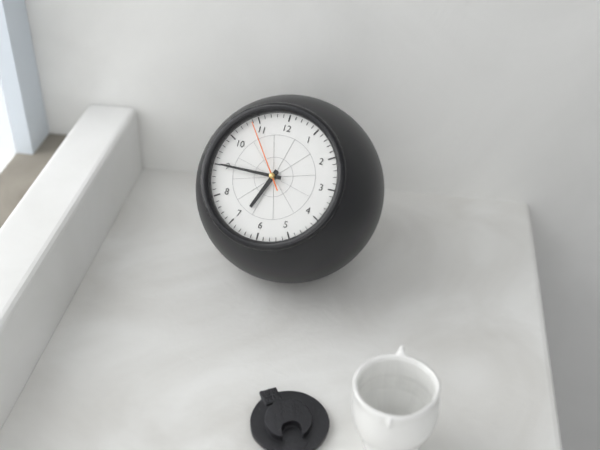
6h45m54s
